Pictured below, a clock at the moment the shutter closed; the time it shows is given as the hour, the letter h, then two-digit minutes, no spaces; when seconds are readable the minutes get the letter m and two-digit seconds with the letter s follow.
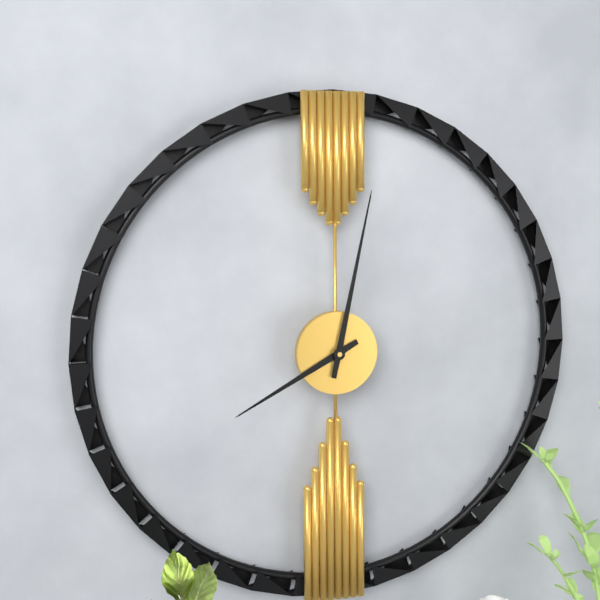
8h02
